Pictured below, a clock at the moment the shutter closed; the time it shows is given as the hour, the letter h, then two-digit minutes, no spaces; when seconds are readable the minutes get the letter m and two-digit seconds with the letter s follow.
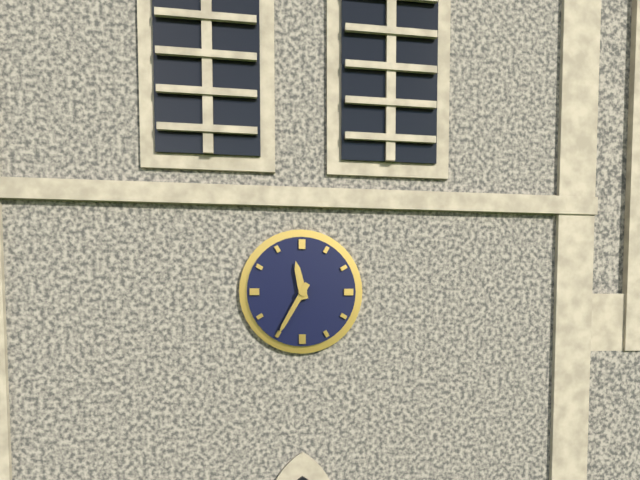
11h35
